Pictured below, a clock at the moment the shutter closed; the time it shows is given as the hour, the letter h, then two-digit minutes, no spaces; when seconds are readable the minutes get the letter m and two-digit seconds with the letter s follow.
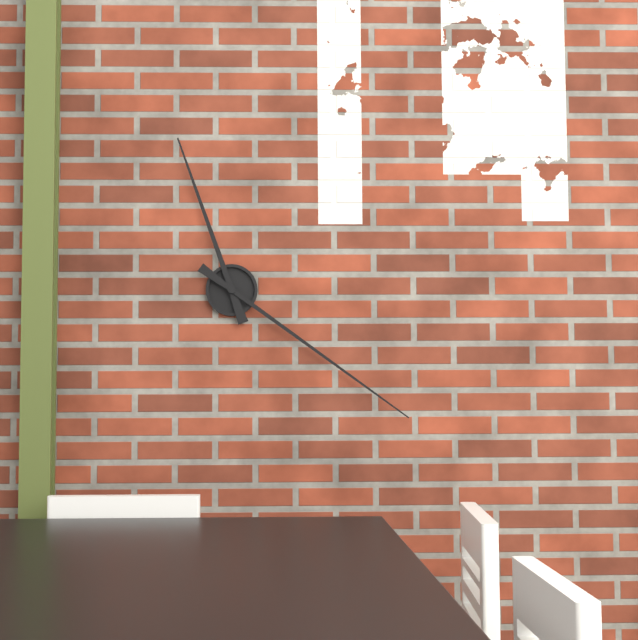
11h21
